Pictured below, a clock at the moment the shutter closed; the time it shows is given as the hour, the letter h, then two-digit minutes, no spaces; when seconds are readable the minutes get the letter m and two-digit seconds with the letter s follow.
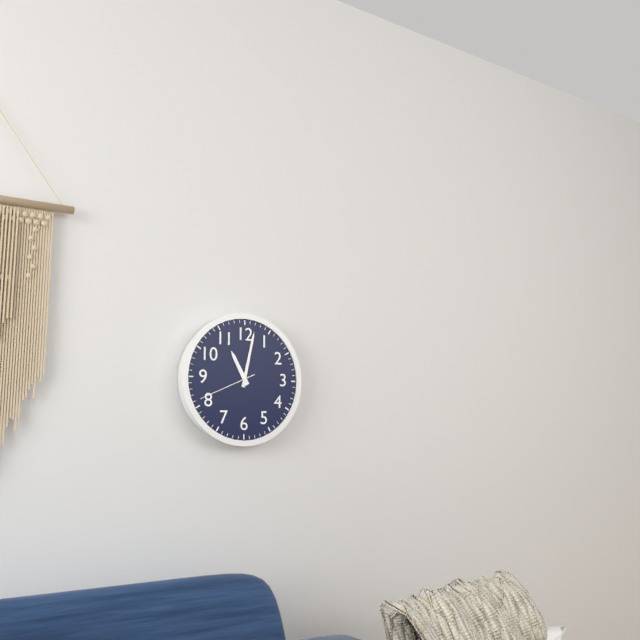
11h02m41s
